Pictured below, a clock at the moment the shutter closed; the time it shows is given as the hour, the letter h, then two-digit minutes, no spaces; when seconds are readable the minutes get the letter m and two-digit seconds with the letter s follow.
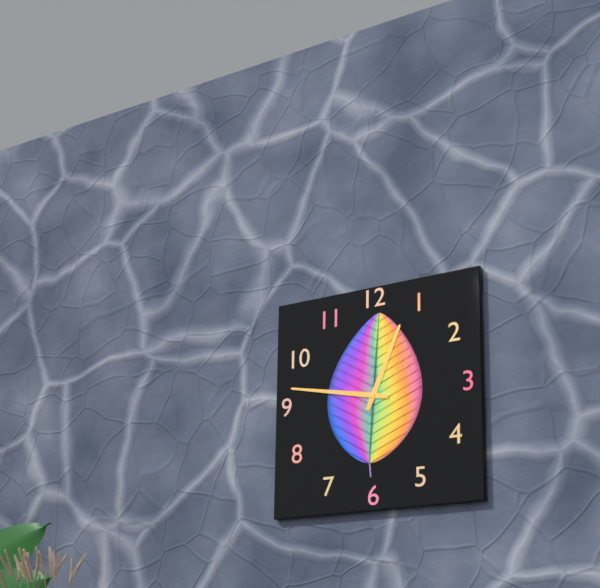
12h47
